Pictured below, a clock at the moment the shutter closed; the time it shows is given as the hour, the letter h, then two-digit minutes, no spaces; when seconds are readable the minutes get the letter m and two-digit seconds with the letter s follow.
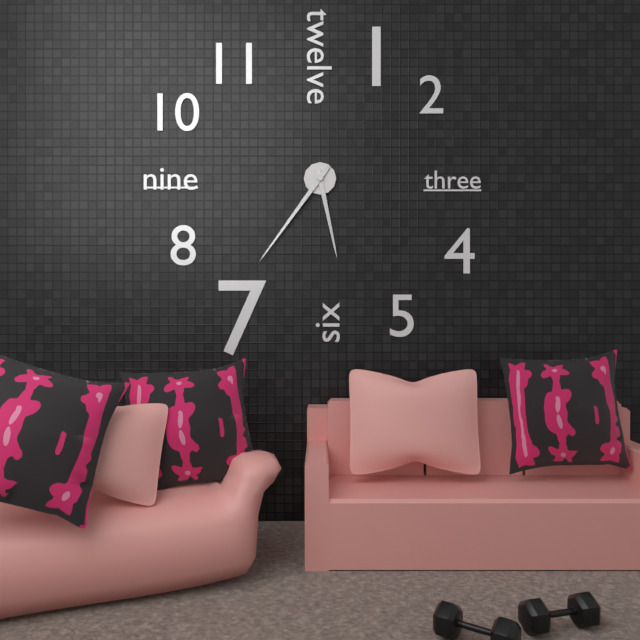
5h36
